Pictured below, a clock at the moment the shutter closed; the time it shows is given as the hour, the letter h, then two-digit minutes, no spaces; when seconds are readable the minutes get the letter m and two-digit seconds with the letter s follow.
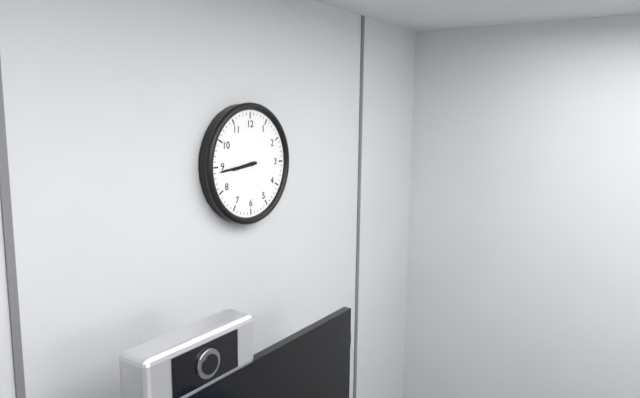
8h44
